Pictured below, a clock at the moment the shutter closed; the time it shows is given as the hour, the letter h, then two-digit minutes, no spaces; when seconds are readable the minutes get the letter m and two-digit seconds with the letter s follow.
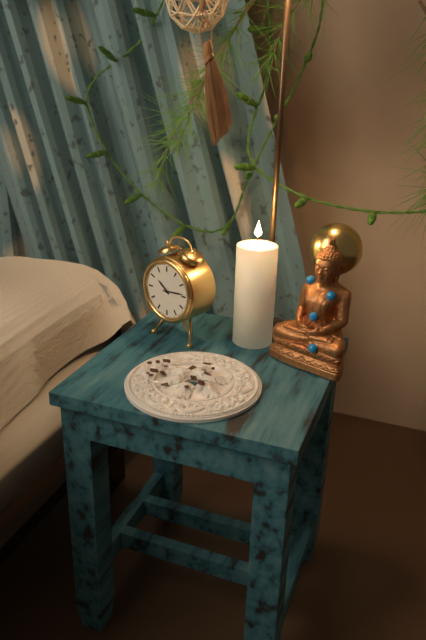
10h14
